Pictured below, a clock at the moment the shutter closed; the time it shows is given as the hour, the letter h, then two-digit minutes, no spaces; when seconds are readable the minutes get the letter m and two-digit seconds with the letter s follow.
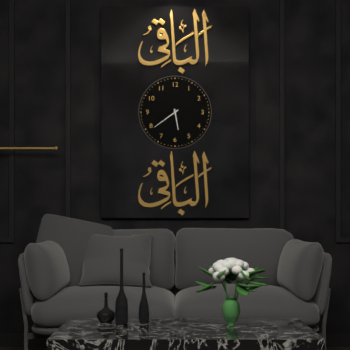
5h39
